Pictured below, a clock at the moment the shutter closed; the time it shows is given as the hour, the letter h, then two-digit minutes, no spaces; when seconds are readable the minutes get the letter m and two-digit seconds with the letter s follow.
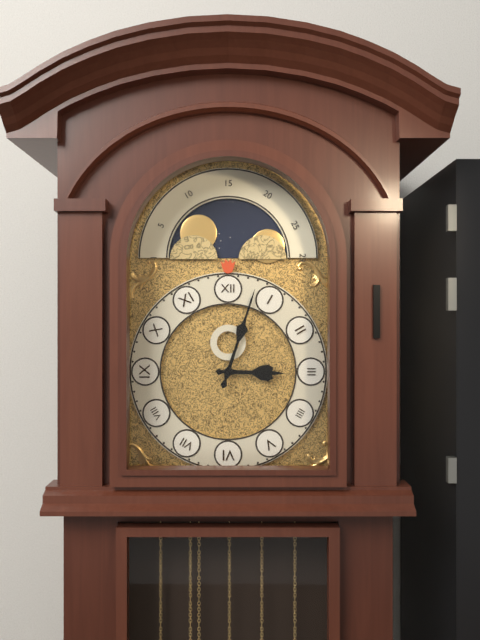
3h03
